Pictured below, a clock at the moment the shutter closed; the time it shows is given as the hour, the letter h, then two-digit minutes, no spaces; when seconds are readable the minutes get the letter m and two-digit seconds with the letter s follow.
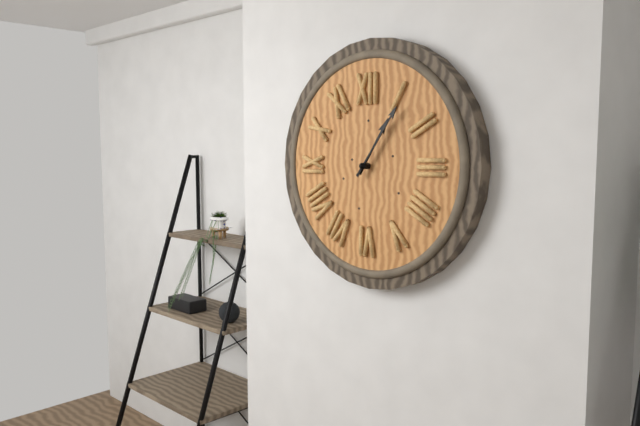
1h06
